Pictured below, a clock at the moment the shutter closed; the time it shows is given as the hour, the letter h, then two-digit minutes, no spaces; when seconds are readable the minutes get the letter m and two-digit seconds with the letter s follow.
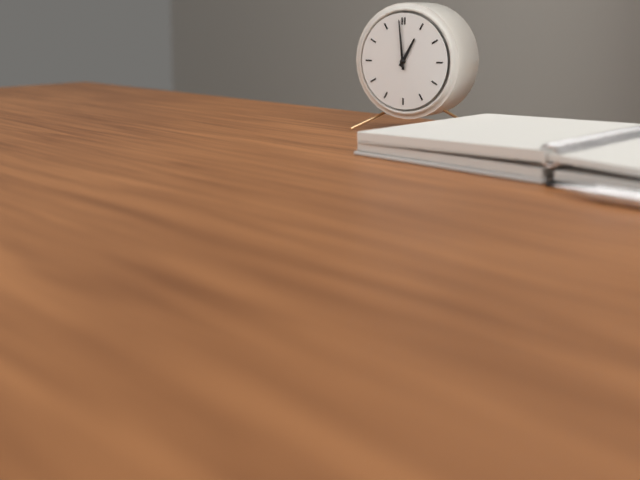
12h59
